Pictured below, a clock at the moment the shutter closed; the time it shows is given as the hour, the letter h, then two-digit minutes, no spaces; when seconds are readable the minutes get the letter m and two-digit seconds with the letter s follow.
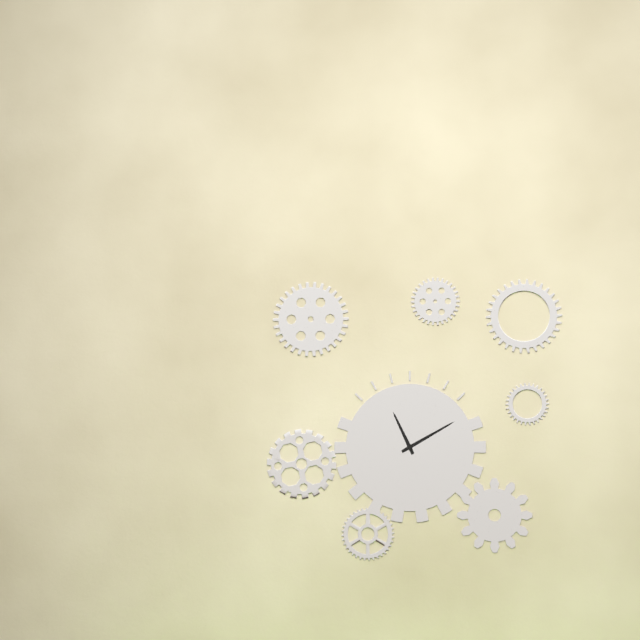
11h10
